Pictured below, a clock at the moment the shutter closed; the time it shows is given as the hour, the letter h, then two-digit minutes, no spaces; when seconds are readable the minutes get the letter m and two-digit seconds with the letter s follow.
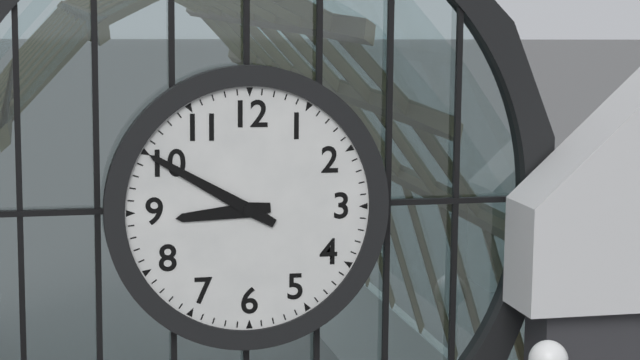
8h50
